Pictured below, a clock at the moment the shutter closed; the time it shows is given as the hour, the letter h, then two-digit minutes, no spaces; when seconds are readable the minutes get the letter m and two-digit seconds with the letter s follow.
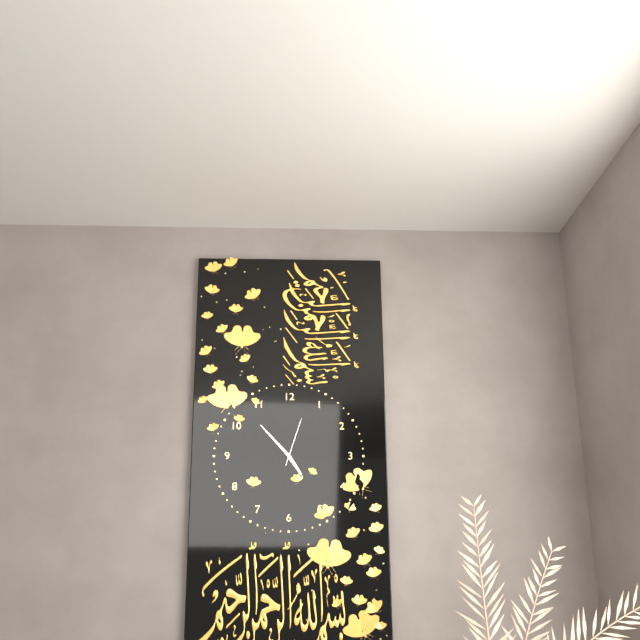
4h53m03s
